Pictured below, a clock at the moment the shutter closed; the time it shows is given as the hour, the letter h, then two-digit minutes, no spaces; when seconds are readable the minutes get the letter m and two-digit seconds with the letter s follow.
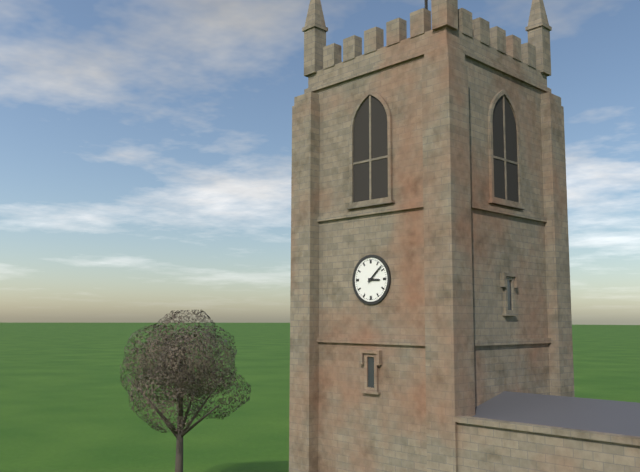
3h08
